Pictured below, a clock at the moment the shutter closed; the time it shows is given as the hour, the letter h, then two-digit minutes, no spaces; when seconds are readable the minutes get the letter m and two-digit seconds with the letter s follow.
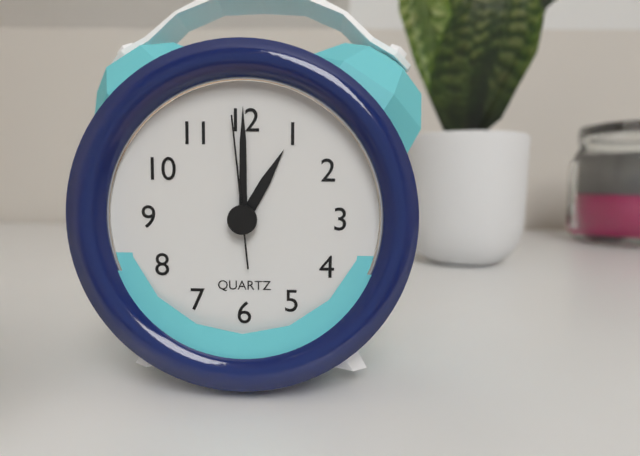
1h00m59s
